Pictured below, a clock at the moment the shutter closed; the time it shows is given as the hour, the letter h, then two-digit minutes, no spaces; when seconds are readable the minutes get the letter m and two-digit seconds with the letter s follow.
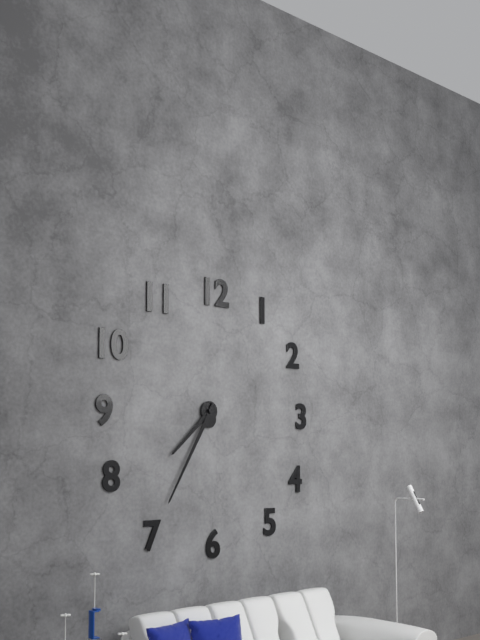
7h35
